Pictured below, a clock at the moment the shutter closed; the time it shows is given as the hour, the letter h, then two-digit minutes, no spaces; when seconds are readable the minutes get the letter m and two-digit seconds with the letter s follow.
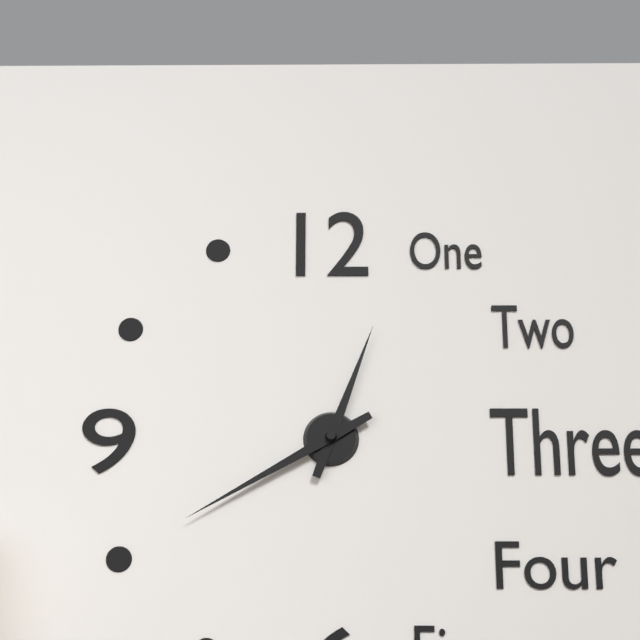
12h40
